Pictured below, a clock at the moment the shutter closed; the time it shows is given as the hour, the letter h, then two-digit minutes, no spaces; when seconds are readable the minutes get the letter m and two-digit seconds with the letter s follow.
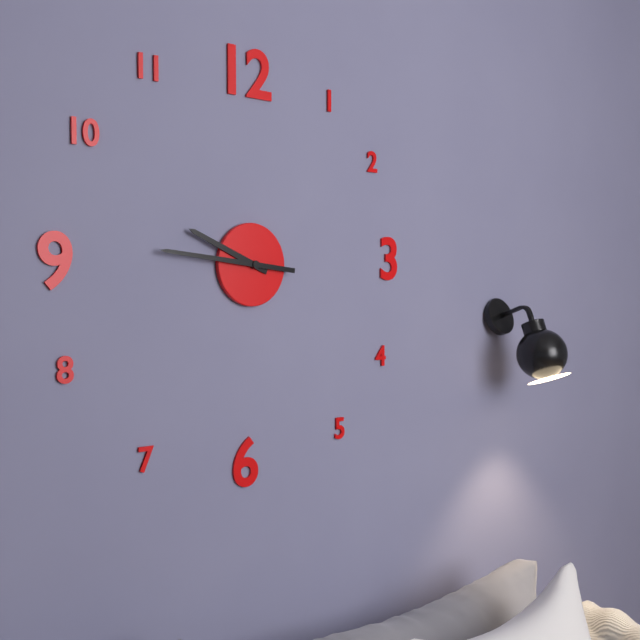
9h46
